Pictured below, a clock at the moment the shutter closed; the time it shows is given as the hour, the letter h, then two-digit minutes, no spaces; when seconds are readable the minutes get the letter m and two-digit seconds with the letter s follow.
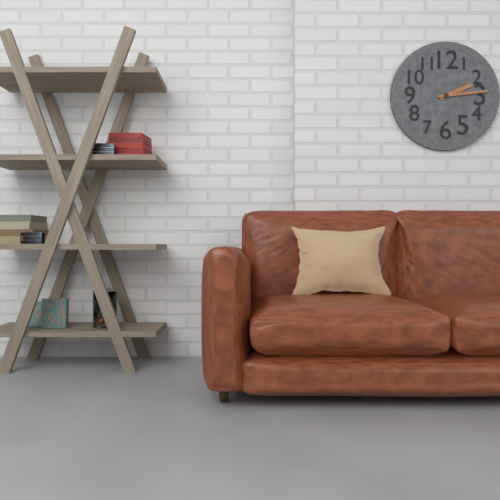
2h14
